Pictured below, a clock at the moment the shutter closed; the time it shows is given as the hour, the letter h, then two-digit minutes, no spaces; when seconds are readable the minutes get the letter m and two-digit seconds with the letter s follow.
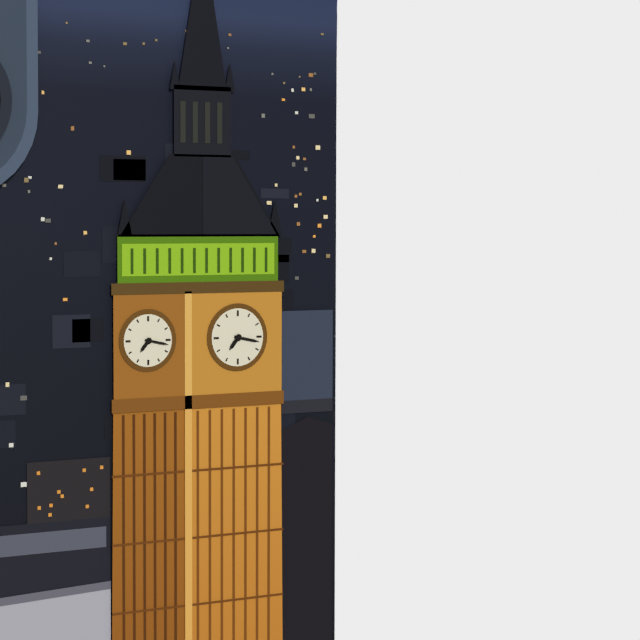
7h17
